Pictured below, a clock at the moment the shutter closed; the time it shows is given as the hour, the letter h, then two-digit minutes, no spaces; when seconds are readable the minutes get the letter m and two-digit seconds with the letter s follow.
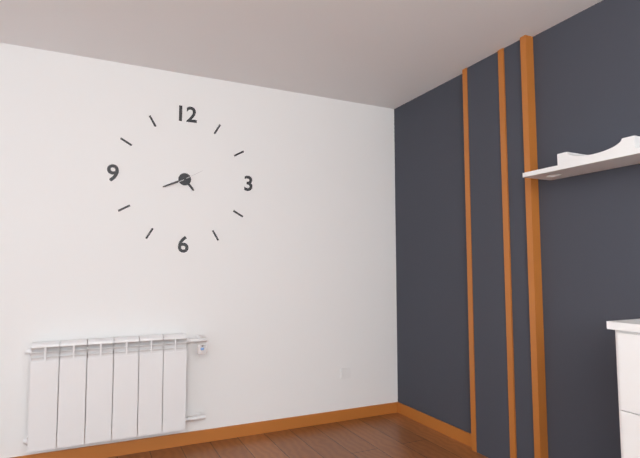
4h41
